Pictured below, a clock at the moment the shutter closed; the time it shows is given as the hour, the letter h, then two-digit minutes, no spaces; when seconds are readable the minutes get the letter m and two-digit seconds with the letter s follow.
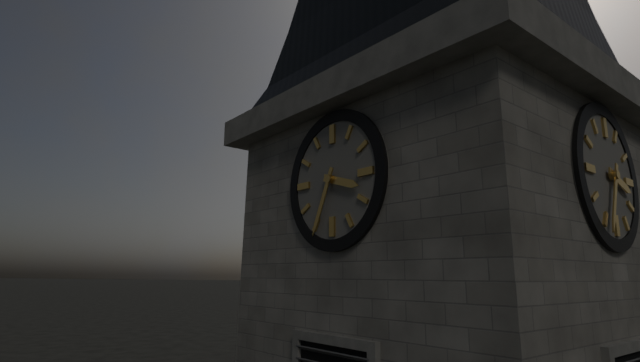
3h34
